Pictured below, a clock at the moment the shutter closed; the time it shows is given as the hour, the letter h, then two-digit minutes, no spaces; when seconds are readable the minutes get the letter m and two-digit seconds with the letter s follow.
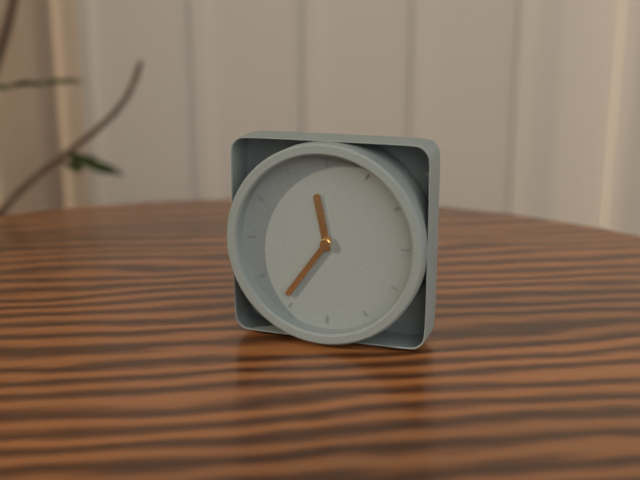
11h36
